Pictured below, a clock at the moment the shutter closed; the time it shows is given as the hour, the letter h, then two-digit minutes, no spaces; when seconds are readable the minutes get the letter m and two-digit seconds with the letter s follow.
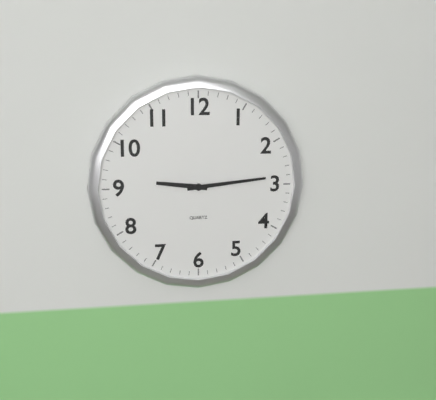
9h14
